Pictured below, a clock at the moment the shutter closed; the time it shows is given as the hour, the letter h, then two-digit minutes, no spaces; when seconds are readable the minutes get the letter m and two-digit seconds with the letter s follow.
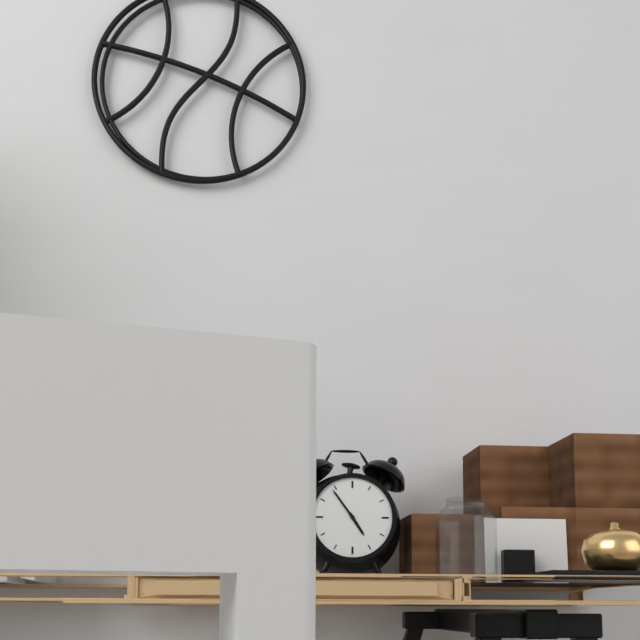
4h54
